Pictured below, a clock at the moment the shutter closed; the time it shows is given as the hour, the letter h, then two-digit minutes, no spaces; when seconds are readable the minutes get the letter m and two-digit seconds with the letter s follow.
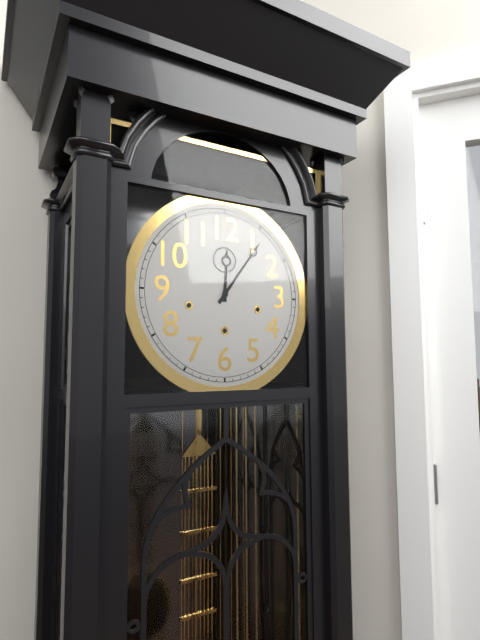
12h06
